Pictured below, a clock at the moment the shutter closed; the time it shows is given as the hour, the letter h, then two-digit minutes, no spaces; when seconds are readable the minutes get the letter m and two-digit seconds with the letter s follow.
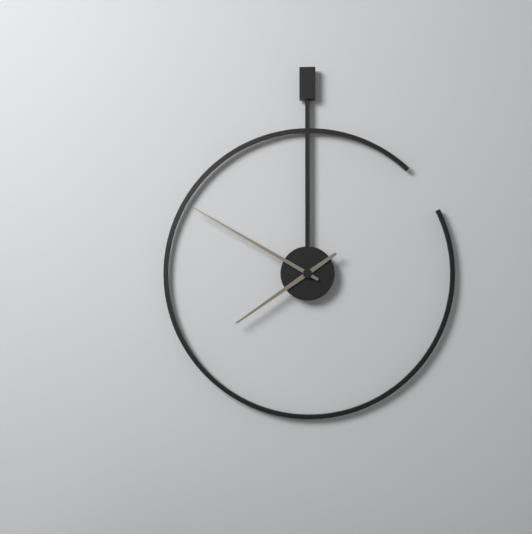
7h50
